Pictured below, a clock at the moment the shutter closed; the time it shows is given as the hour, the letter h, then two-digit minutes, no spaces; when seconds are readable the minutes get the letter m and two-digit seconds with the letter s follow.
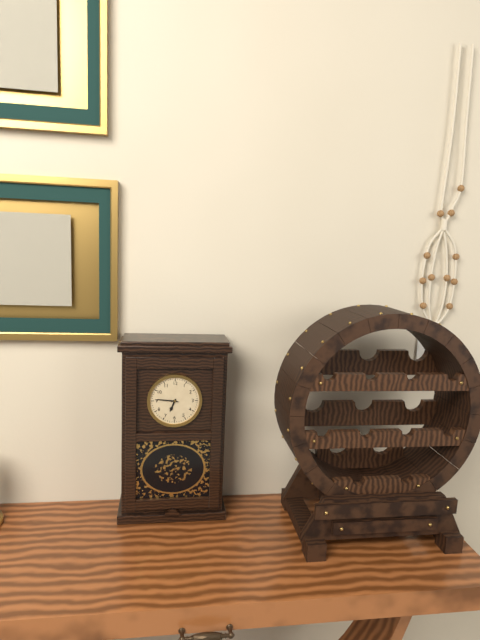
6h46
